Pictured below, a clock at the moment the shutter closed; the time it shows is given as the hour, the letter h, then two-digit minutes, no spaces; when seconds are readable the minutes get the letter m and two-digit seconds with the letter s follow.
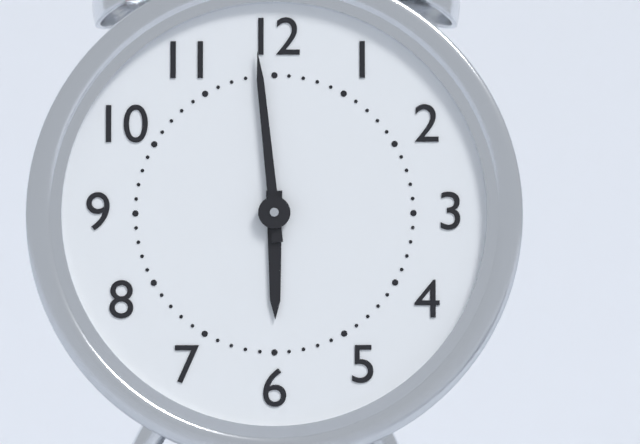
5h59
